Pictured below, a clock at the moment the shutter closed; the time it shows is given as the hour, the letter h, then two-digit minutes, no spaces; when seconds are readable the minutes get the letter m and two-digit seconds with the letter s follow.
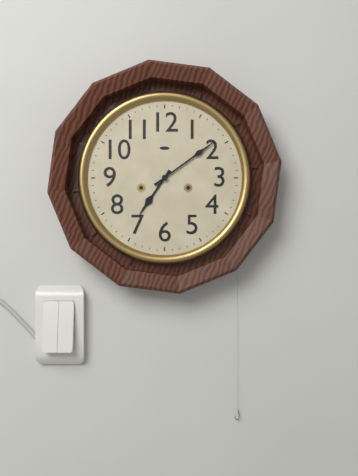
7h09
